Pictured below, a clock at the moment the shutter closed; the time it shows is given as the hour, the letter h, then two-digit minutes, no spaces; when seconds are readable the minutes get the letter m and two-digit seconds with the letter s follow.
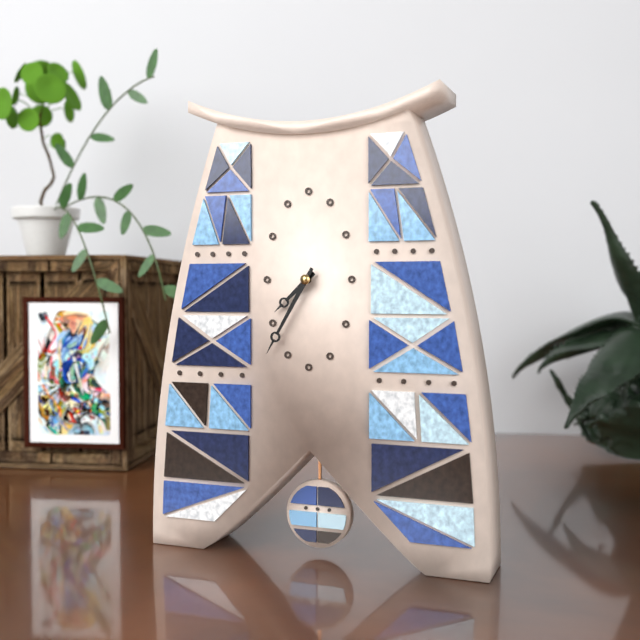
7h35
